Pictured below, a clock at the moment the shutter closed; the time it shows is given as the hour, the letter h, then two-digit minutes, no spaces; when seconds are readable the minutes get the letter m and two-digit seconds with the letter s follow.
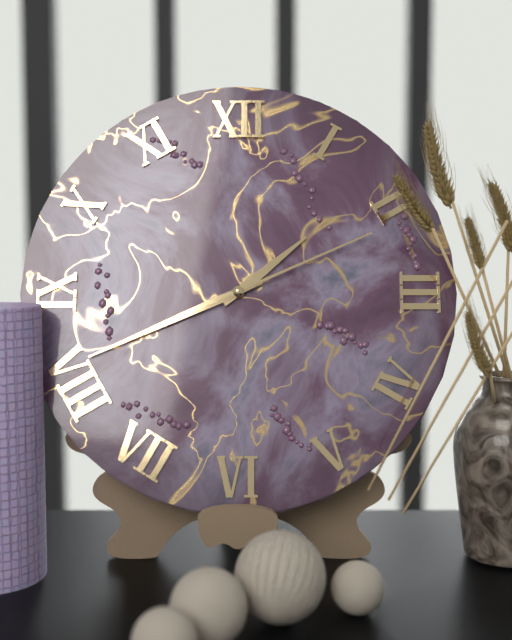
1h41m11s
